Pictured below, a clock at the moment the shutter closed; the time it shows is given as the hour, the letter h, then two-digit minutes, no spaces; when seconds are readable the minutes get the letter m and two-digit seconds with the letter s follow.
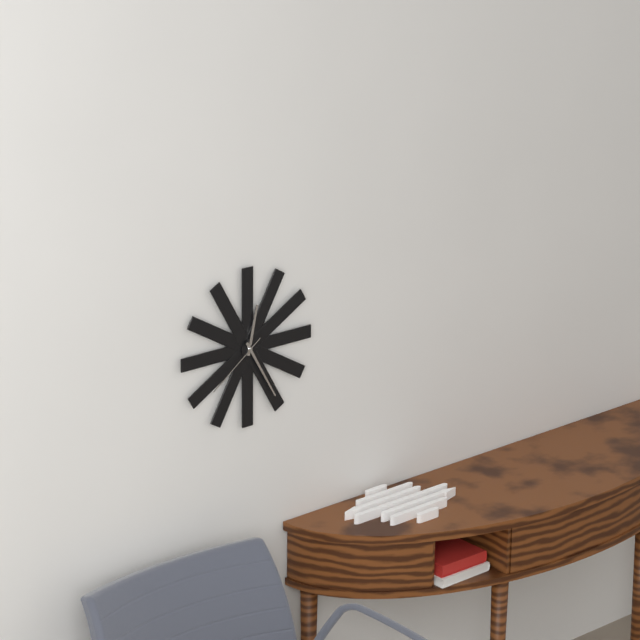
12h25m39s
